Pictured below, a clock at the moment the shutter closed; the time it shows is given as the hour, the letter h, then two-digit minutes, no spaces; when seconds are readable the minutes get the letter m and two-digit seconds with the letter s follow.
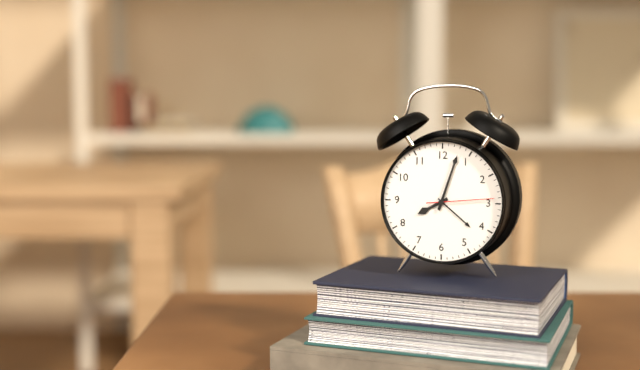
8h03m14s
